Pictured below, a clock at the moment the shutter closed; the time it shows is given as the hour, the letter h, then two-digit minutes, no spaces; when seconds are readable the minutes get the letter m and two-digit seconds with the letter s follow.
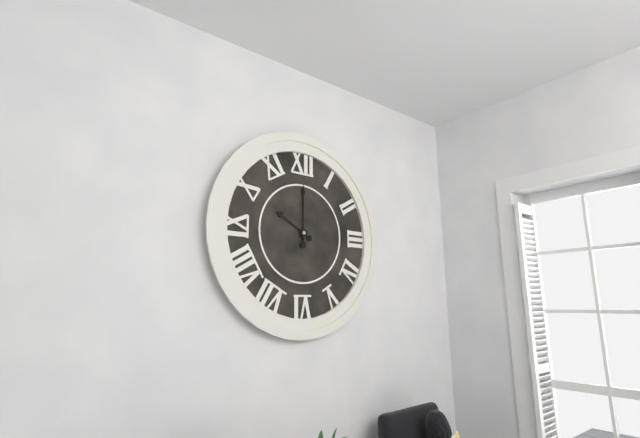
10h00
